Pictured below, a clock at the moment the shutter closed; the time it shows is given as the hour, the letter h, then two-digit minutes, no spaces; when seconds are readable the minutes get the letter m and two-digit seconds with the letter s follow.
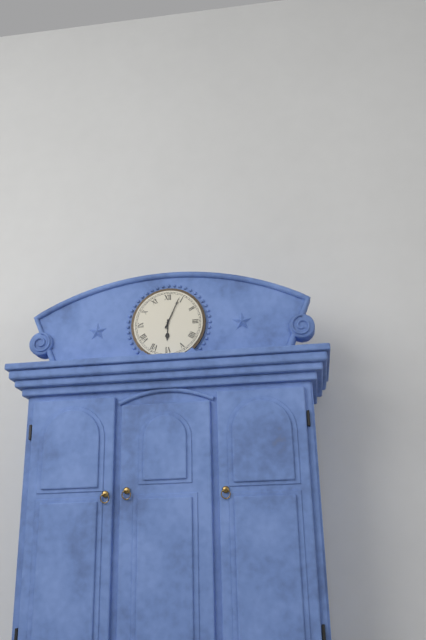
6h04
